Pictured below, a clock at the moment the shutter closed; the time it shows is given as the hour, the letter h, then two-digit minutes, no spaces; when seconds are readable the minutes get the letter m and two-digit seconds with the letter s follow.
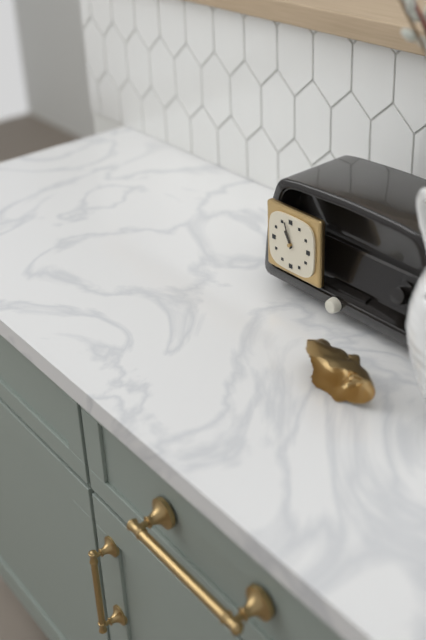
10h57
